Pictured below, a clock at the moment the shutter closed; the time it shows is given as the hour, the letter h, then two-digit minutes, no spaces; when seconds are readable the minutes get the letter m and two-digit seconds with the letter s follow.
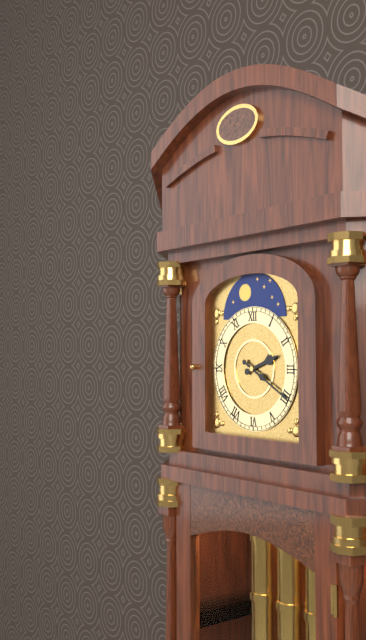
2h20
